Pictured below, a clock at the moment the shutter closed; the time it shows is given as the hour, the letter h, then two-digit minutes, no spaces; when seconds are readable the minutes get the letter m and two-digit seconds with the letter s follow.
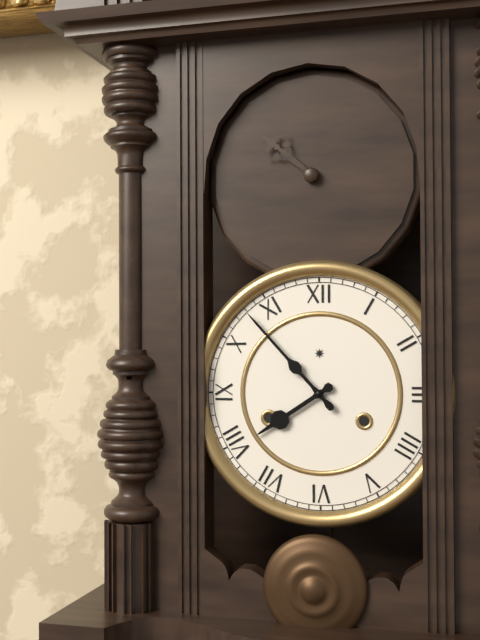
7h53
